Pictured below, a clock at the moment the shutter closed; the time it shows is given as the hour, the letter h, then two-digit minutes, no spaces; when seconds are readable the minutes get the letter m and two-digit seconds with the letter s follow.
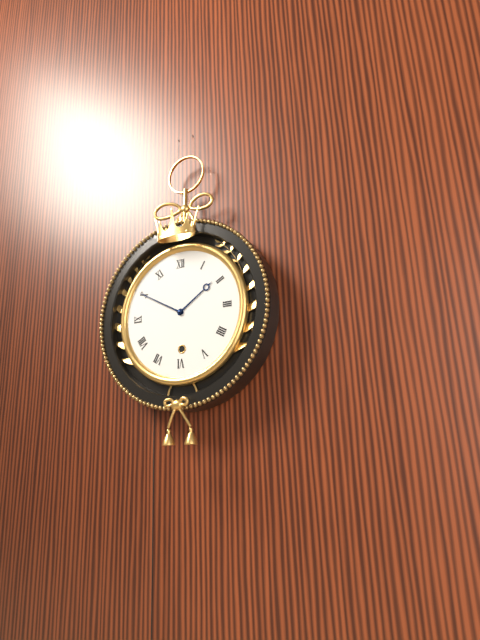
1h50
